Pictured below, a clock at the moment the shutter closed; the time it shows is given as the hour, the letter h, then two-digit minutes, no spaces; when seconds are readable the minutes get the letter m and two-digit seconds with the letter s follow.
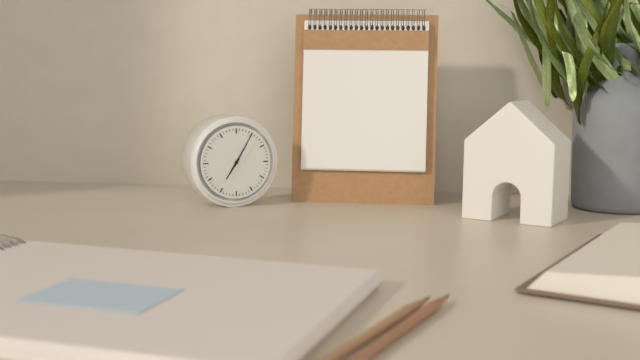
7h05
